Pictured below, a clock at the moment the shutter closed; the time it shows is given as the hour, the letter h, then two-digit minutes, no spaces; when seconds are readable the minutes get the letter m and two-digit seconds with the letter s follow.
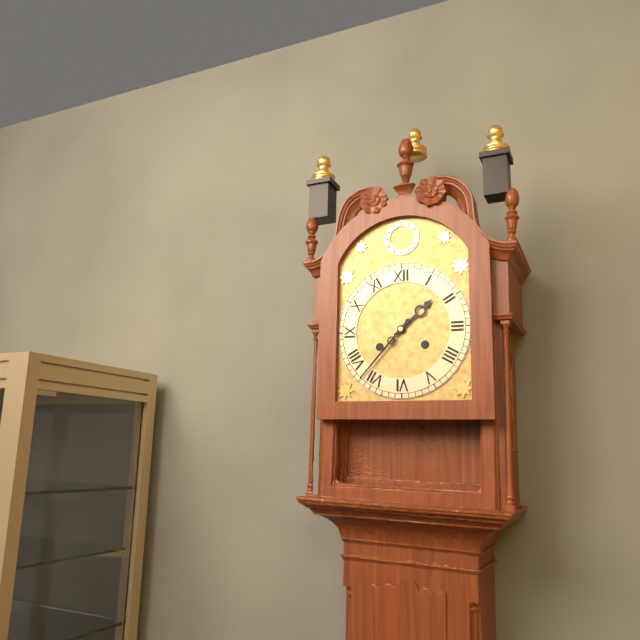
1h37
